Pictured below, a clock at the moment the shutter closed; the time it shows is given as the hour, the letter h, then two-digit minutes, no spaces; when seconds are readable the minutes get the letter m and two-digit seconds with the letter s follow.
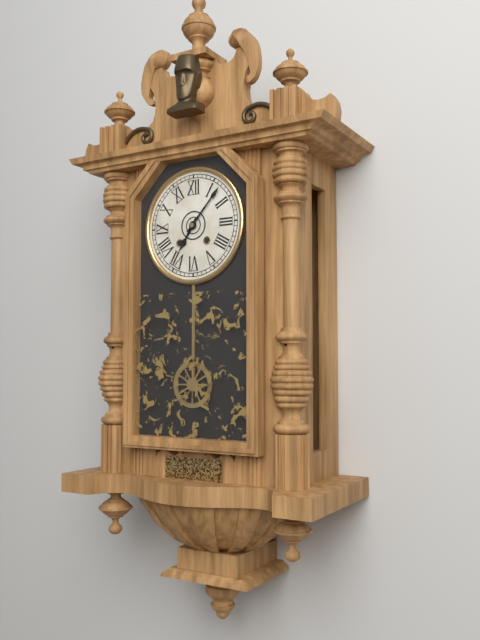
7h07
